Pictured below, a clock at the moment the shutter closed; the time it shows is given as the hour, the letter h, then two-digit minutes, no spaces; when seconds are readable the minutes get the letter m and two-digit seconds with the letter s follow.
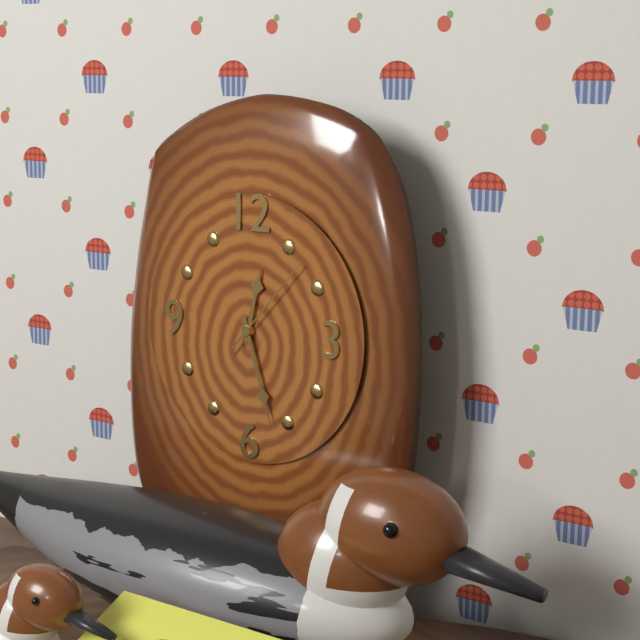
12h27m07s
